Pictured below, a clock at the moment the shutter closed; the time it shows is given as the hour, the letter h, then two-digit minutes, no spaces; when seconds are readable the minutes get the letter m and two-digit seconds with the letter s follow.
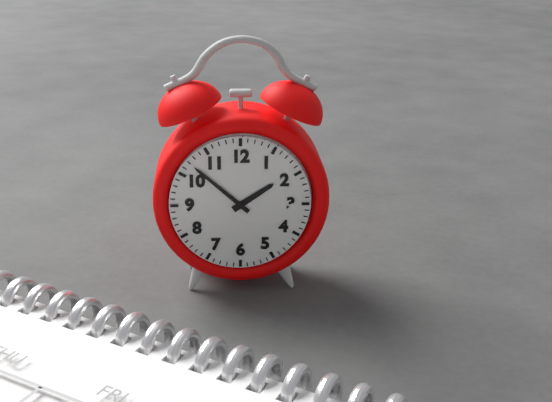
1h52
